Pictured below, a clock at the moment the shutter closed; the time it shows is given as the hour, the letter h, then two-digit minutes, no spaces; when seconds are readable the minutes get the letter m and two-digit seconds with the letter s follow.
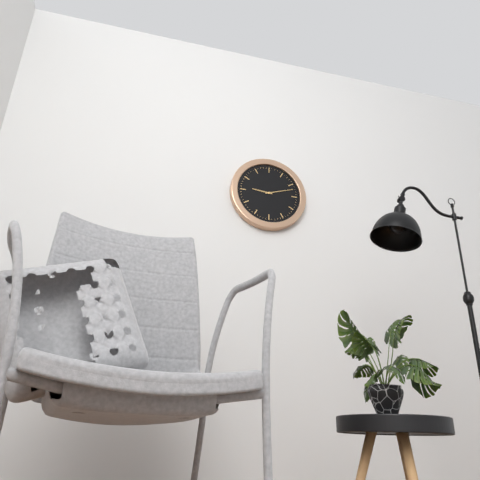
9h12
